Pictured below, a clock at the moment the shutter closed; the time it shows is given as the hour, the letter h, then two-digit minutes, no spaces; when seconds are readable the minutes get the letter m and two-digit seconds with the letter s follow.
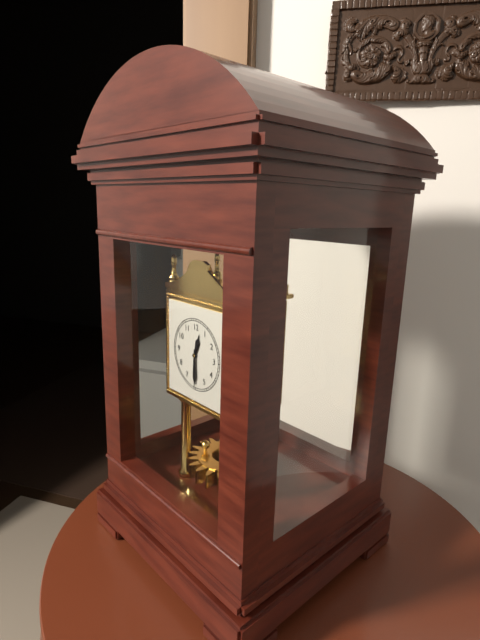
12h30
